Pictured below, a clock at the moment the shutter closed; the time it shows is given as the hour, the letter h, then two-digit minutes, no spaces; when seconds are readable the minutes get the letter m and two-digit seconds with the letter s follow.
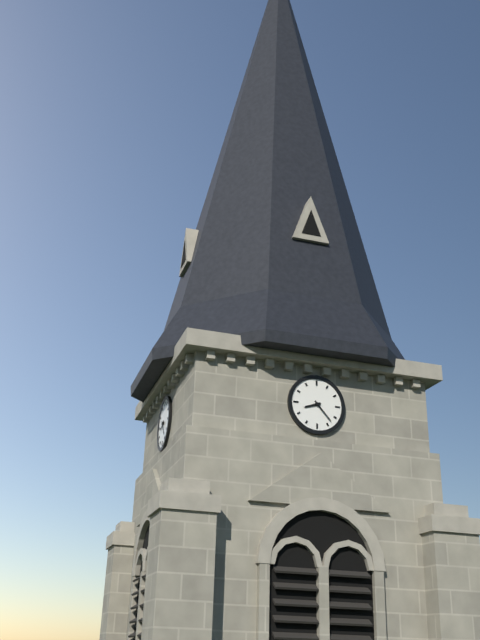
8h23
